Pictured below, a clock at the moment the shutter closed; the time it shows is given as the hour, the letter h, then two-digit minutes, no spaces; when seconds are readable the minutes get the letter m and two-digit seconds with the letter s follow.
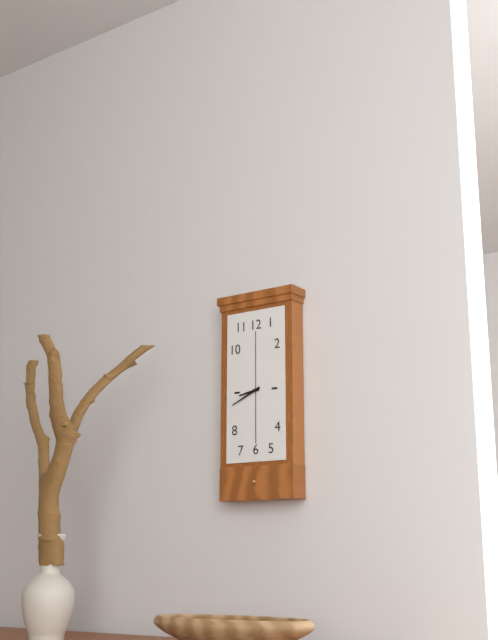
8h41
